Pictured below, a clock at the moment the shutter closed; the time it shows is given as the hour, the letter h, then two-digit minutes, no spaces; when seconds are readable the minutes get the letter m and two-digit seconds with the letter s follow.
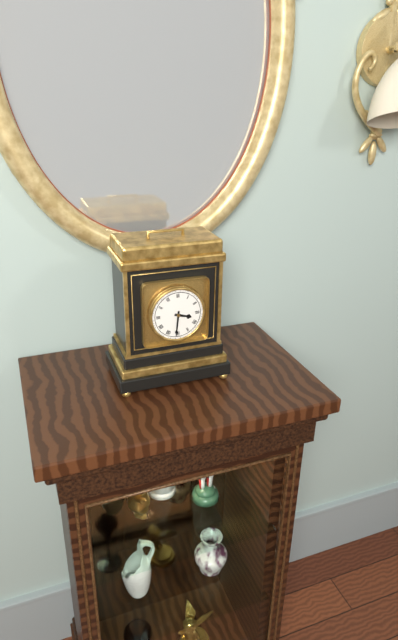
3h31
